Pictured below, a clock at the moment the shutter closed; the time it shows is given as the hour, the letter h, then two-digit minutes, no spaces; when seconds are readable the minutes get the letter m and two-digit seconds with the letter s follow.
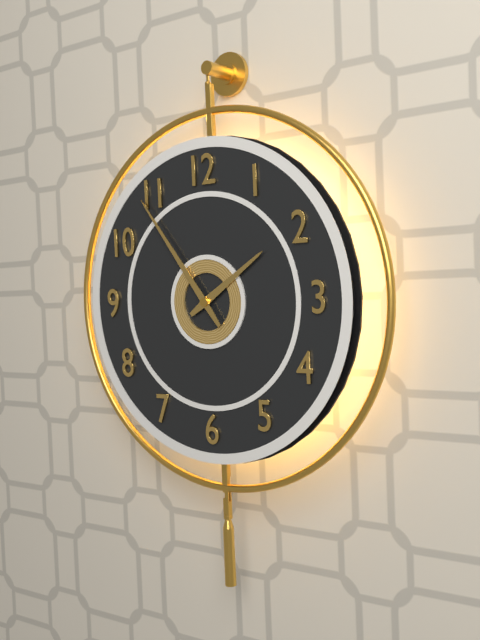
1h54
